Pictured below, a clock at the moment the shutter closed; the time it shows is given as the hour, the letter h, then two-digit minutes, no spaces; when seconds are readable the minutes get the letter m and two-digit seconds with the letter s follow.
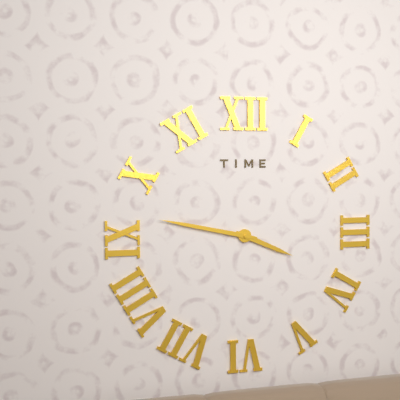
3h47
